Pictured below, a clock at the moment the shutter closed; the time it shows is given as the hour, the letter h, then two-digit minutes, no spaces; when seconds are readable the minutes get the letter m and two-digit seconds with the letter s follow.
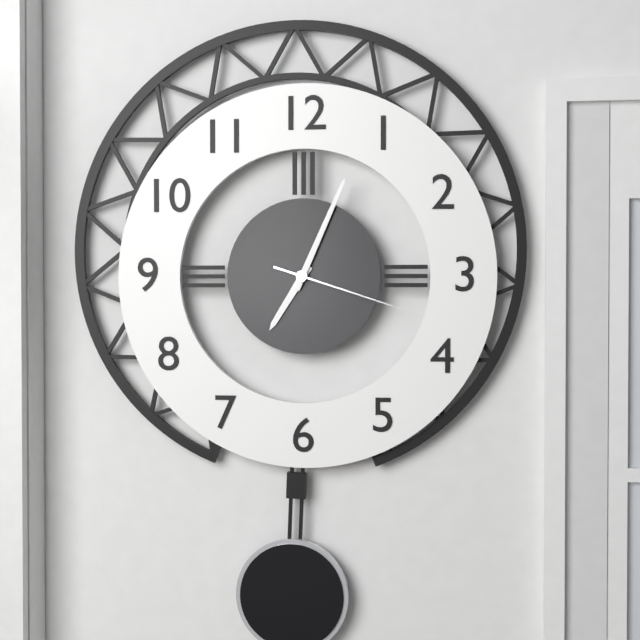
7h04m18s
